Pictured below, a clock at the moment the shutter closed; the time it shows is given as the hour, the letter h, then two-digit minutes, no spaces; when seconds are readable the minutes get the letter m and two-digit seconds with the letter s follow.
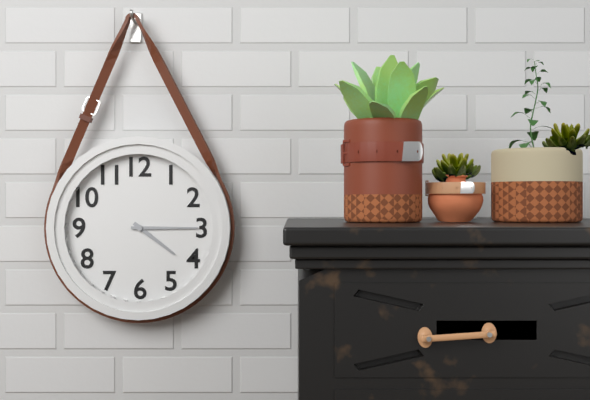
4h15
